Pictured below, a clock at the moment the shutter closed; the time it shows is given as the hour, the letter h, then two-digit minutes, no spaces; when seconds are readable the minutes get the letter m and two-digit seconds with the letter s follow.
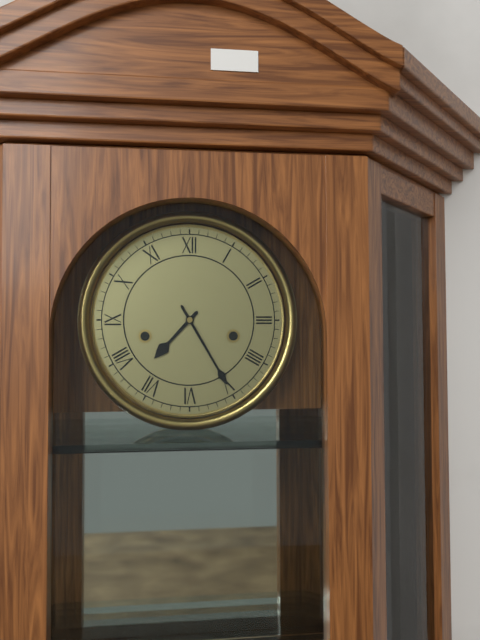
7h25
